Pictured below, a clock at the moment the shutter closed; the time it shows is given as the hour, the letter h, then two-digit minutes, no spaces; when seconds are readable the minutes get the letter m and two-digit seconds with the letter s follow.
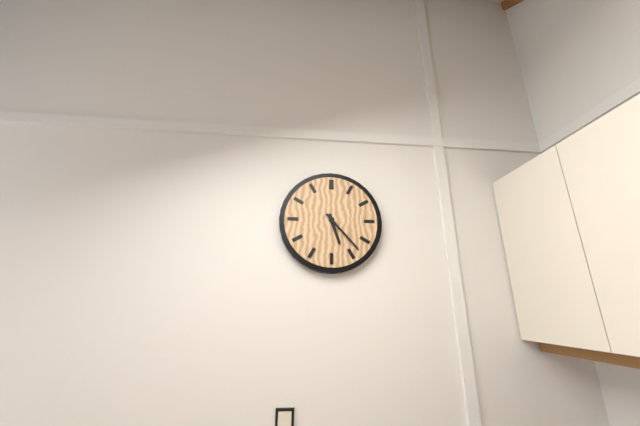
5h23
